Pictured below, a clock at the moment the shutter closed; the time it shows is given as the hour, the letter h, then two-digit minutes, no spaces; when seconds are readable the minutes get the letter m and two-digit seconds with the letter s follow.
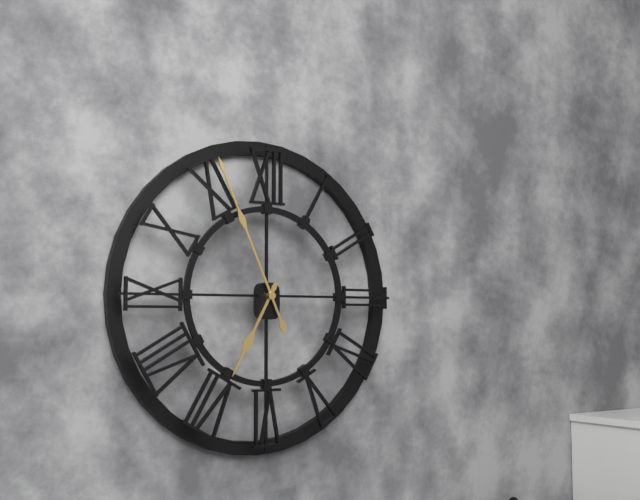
6h56
